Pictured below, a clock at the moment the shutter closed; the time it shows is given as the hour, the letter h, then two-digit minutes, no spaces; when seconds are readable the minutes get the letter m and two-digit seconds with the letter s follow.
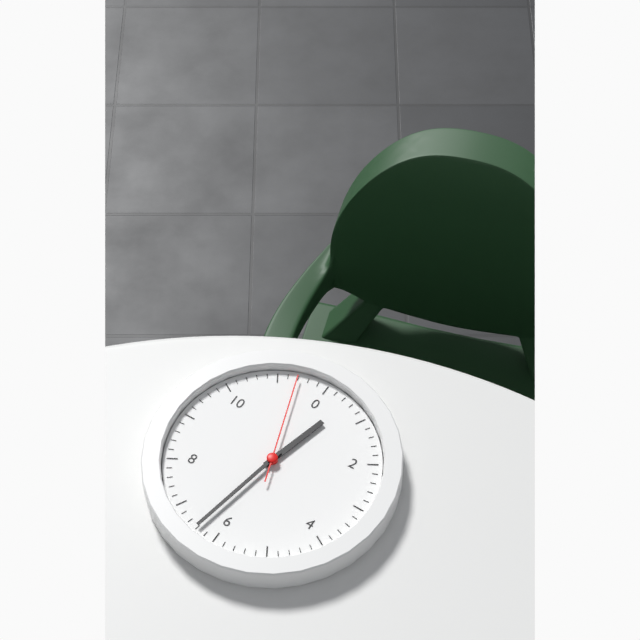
12h32m57s
